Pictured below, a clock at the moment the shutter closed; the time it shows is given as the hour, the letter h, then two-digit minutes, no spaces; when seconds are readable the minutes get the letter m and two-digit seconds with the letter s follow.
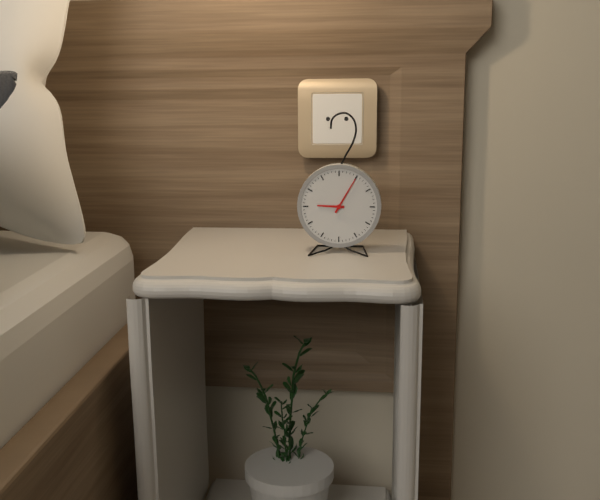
9h05
